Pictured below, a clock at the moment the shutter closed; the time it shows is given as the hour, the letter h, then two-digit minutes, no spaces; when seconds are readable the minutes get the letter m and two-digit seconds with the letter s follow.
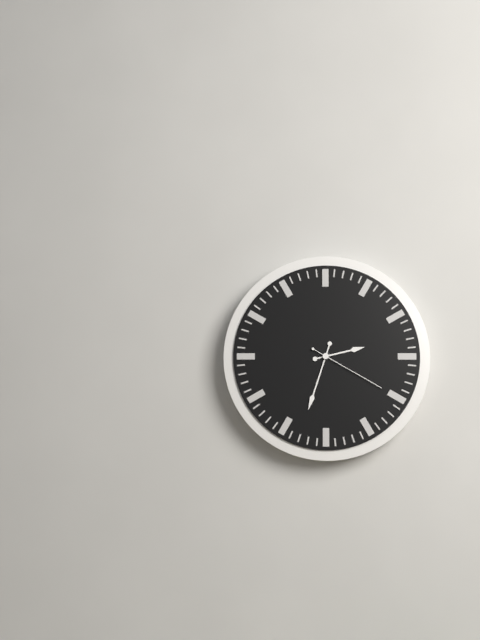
2h33m20s
